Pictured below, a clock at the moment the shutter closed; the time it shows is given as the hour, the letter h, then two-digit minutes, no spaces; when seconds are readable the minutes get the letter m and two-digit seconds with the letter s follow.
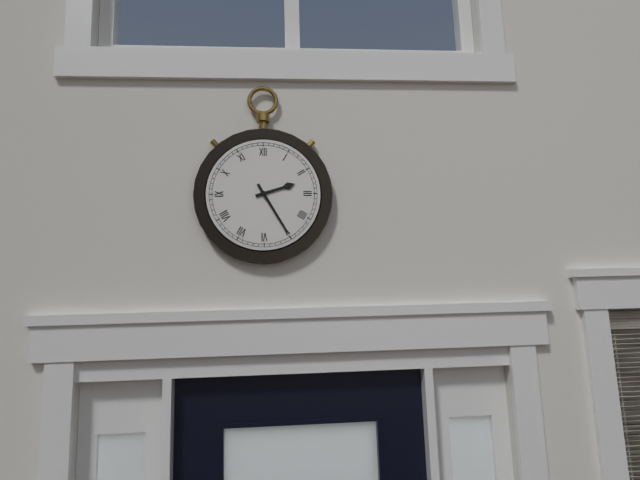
2h25
